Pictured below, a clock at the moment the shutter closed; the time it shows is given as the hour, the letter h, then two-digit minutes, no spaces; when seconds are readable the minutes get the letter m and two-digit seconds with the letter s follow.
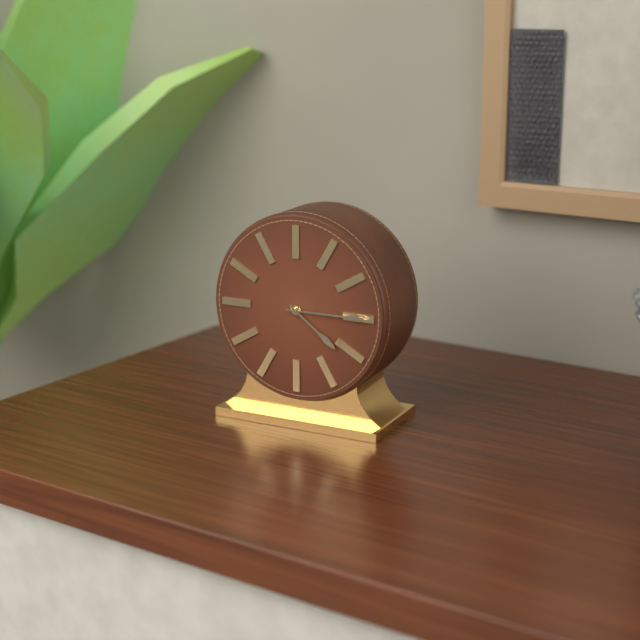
4h15
